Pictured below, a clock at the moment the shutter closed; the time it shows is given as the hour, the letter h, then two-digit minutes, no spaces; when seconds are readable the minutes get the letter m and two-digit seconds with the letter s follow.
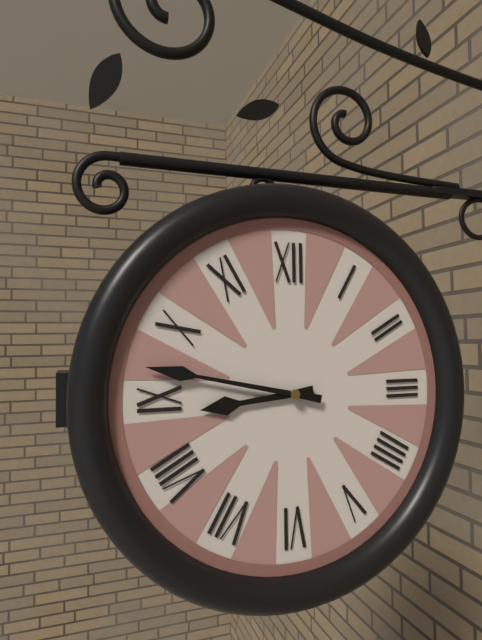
8h47
